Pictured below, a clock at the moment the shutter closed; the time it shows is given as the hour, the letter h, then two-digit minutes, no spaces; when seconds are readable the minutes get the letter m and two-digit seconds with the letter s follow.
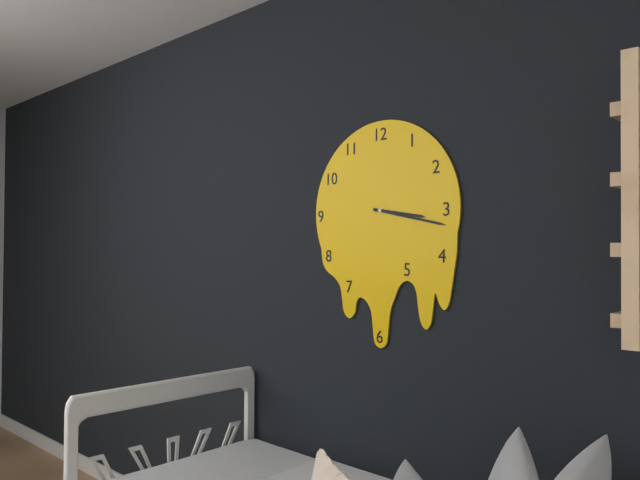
3h17
